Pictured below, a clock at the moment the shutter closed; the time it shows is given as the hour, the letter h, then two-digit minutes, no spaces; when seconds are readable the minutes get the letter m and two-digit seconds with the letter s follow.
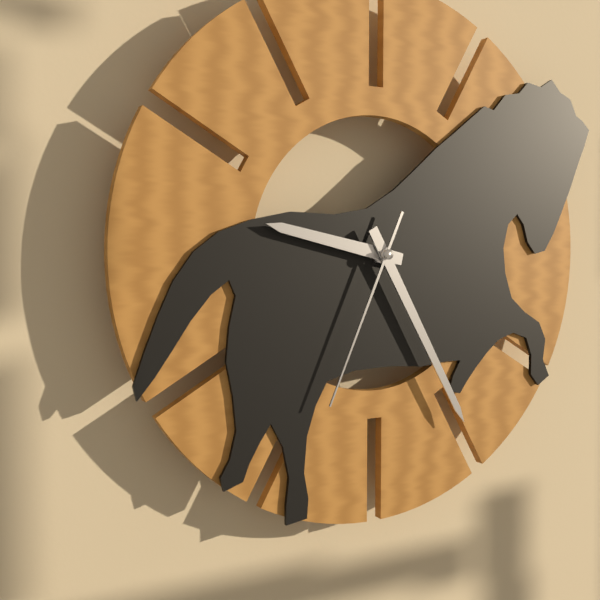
9h25m34s
